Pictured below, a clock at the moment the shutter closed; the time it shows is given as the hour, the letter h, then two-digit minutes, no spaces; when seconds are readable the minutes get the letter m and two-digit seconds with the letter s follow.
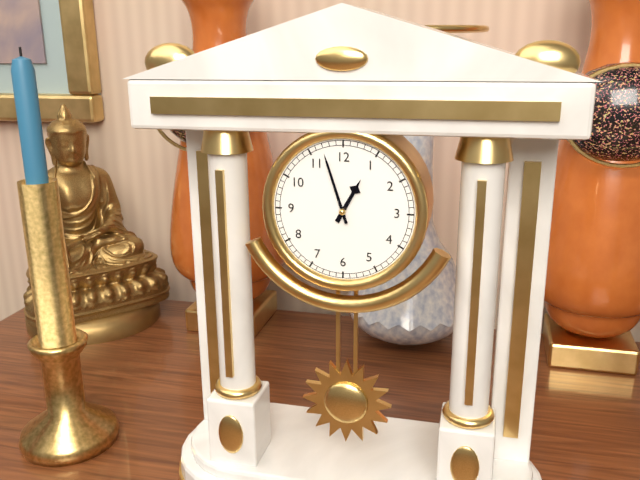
12h57
